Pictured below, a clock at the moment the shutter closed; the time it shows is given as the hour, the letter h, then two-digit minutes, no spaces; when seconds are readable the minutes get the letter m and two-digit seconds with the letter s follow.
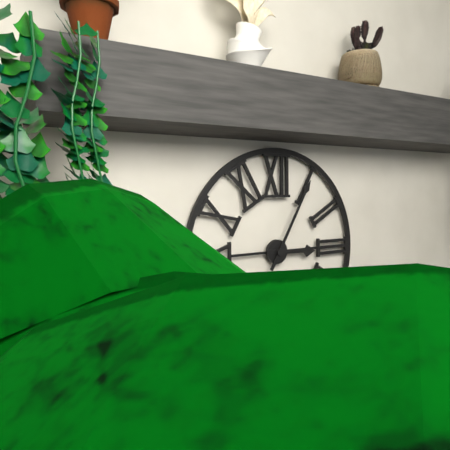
3h05
